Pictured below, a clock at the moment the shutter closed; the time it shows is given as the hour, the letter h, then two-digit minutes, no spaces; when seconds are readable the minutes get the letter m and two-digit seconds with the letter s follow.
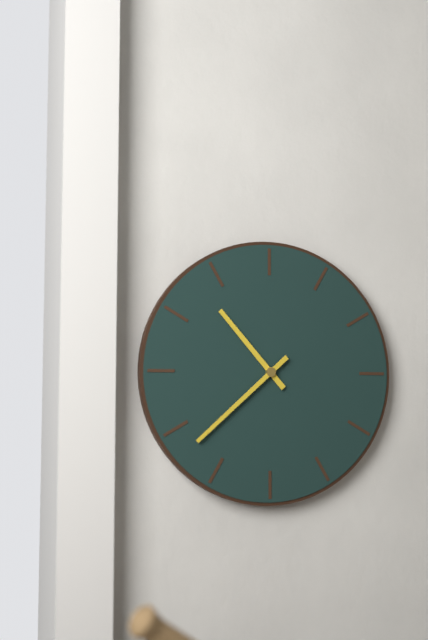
10h38
